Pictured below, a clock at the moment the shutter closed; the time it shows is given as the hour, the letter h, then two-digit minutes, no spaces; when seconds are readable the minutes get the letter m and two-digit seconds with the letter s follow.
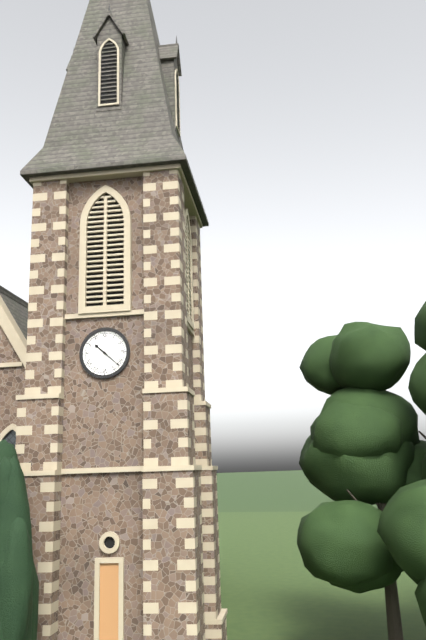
10h22
